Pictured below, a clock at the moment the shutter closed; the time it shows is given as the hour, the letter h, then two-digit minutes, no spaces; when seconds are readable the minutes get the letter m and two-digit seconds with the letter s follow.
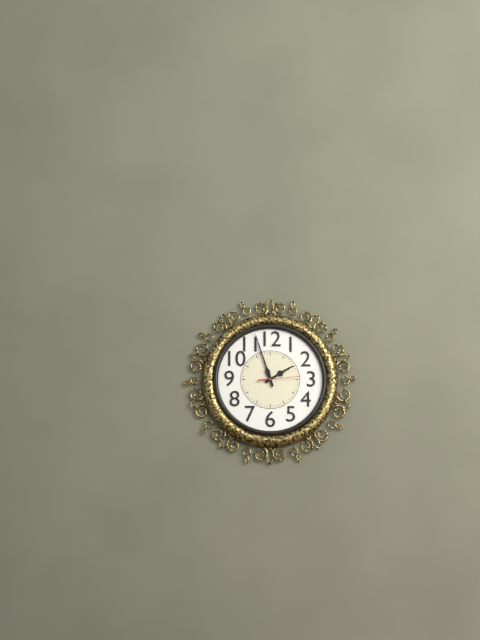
1h57
